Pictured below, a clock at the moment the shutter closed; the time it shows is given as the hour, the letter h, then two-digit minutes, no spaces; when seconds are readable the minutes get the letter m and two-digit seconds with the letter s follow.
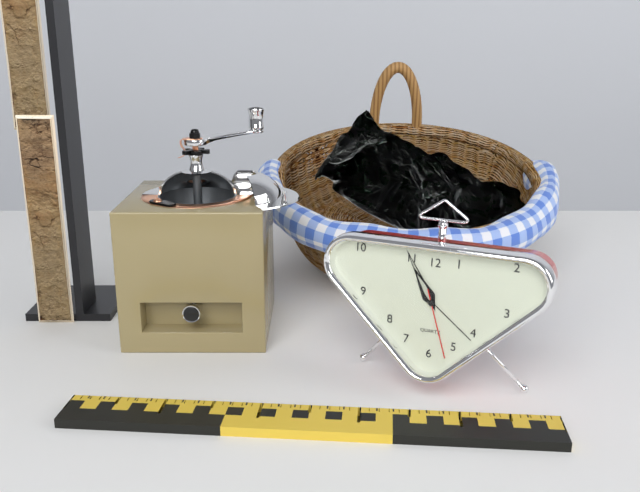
10h55m27s
